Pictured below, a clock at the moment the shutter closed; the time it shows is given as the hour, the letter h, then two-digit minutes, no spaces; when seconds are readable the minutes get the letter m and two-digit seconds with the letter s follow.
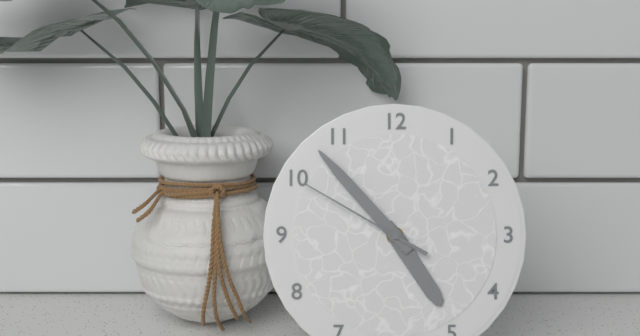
4h53m50s
